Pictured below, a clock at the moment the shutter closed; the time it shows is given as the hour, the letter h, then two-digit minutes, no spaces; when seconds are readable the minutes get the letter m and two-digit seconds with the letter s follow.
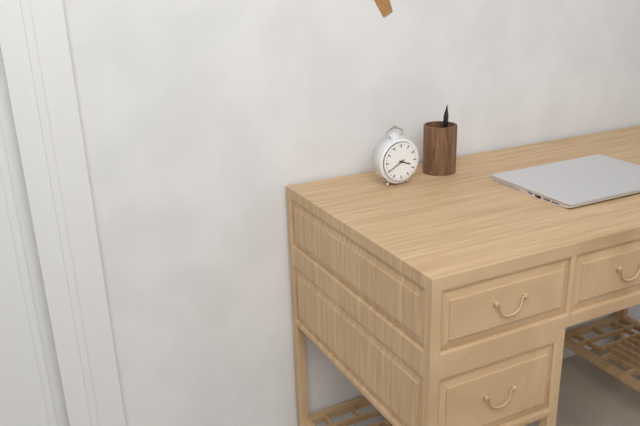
3h40
